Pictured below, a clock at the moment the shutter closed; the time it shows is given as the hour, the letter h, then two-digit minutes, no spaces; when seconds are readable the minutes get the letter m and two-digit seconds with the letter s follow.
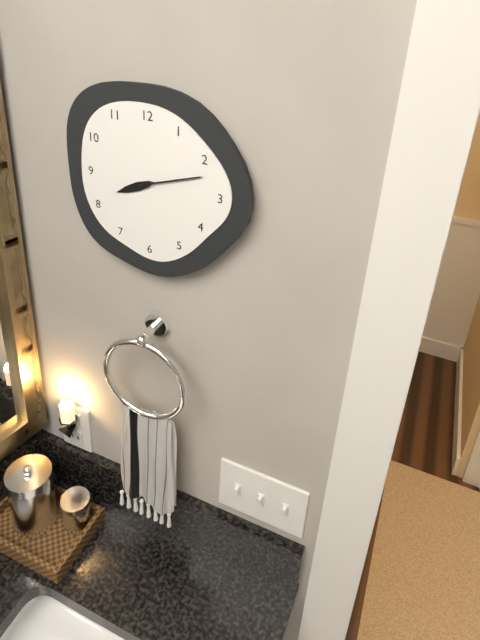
8h12
